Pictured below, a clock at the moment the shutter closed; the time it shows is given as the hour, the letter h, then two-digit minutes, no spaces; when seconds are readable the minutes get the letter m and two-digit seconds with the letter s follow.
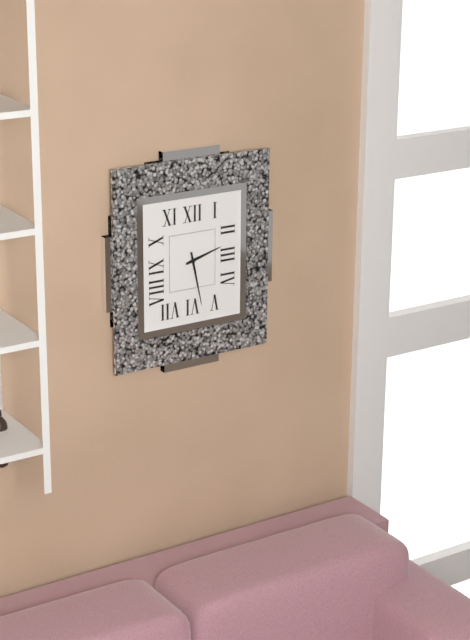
2h28
